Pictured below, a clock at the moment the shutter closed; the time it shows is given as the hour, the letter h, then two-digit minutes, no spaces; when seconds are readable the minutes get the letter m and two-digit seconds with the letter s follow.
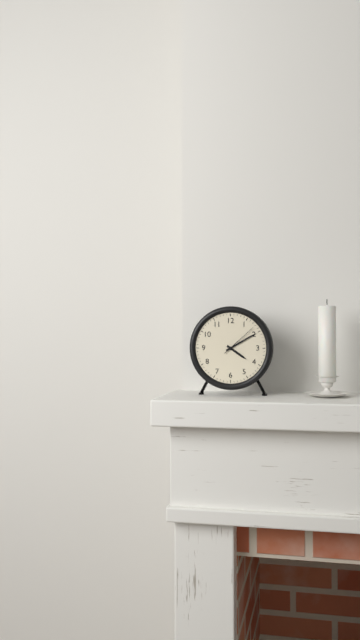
4h10
